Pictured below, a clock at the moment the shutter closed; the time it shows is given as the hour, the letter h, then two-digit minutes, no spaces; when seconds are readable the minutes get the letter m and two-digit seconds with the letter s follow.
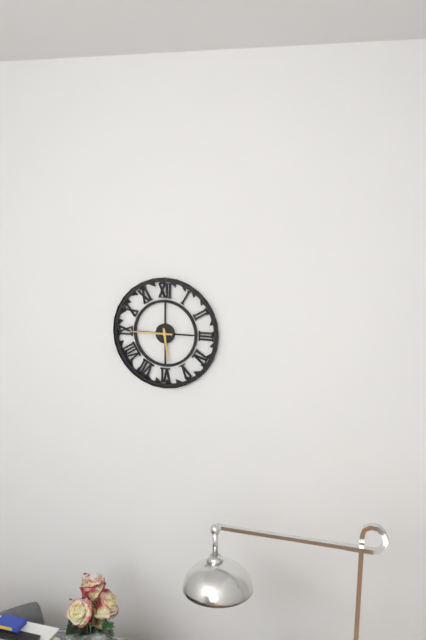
5h45
